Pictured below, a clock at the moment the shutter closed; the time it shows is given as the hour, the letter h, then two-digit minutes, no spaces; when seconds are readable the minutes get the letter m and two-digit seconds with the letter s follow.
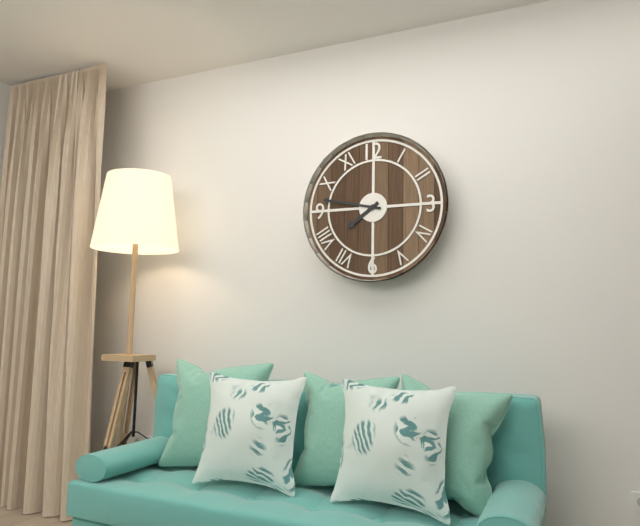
7h47
